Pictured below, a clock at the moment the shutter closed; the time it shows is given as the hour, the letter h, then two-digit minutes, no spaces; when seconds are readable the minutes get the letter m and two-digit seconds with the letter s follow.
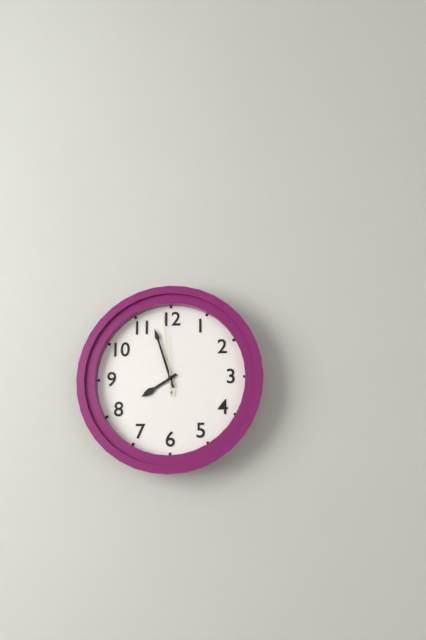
7h57m59s
